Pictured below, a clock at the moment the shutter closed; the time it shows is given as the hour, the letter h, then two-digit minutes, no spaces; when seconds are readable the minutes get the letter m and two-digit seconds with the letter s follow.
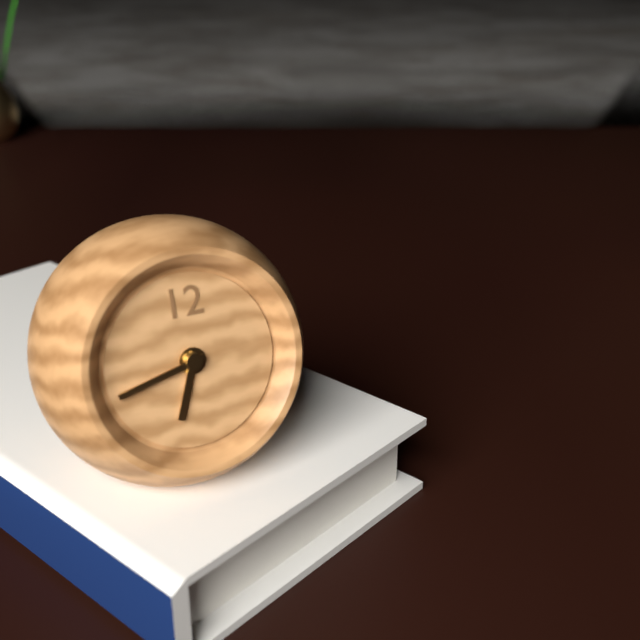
6h43
